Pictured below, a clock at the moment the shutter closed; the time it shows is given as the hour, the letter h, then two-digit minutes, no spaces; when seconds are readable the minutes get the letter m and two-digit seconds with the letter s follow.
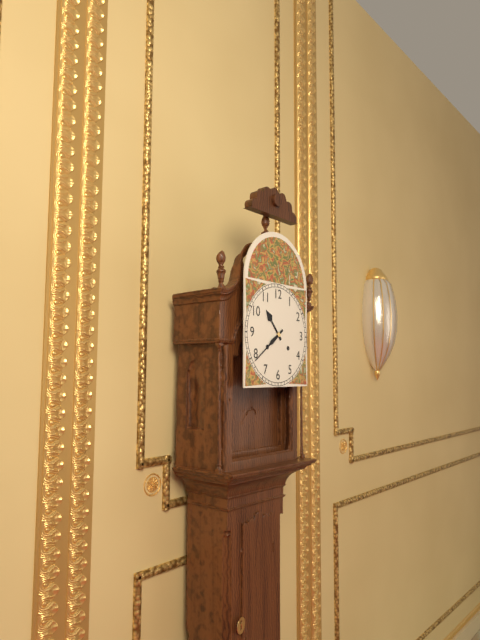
10h39
